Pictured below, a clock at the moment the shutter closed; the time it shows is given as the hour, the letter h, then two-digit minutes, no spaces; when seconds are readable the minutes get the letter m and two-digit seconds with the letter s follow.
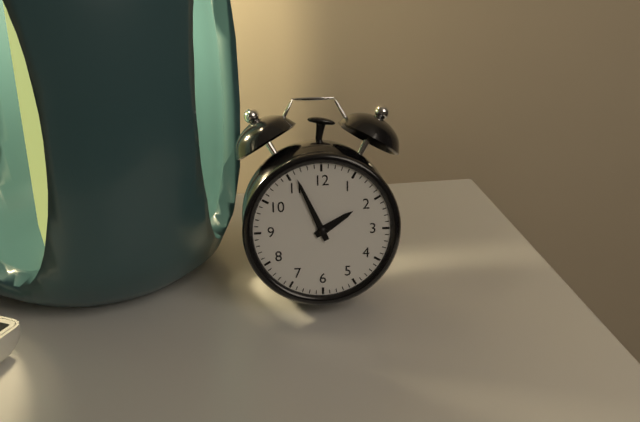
1h56
